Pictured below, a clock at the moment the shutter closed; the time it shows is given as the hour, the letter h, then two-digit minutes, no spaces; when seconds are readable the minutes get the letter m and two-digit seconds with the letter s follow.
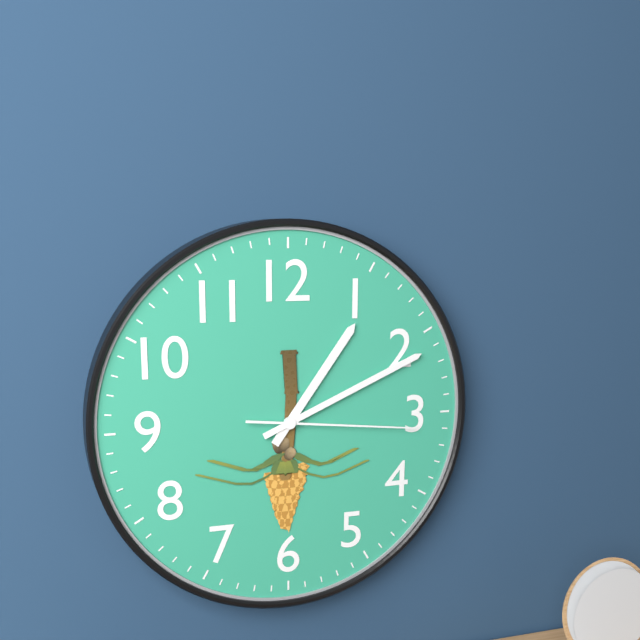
1h11m16s
